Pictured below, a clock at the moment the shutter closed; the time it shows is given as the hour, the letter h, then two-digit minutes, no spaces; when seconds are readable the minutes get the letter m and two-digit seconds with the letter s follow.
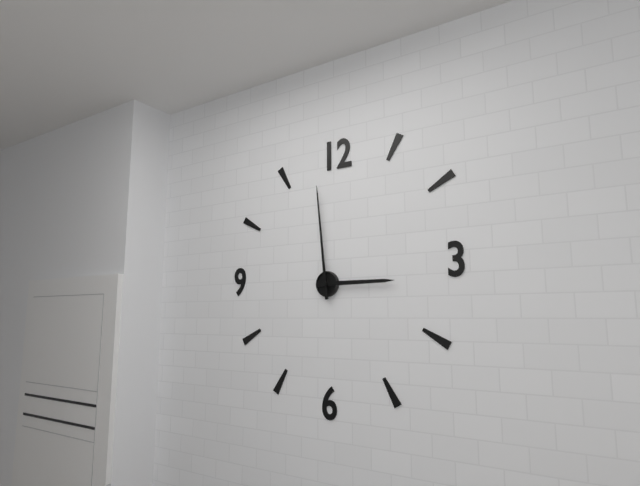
2h59
